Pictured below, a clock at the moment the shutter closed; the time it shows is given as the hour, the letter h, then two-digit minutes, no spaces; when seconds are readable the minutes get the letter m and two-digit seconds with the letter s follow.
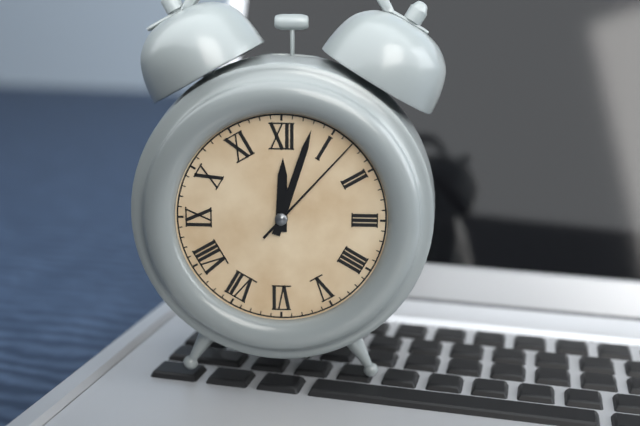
12h03m07s
